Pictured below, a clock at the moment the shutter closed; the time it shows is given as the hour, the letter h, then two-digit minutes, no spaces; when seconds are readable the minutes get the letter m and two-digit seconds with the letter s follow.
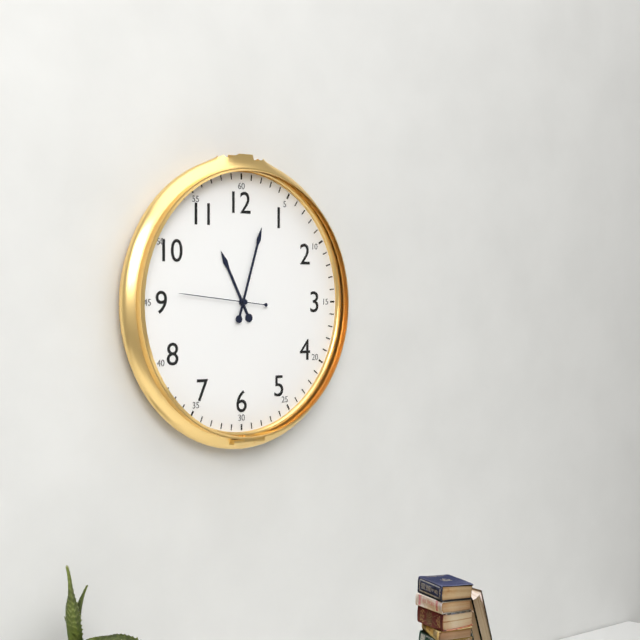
11h03m46s
